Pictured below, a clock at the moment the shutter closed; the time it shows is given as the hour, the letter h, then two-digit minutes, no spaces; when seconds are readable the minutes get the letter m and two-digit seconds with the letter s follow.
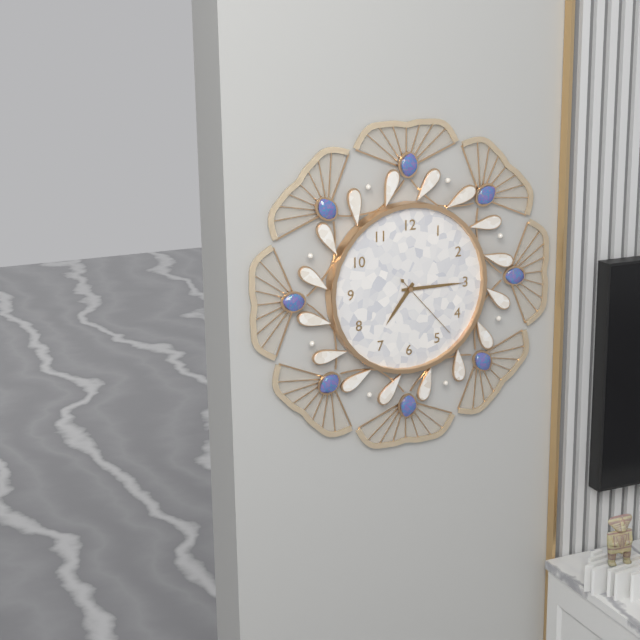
7h15m23s
